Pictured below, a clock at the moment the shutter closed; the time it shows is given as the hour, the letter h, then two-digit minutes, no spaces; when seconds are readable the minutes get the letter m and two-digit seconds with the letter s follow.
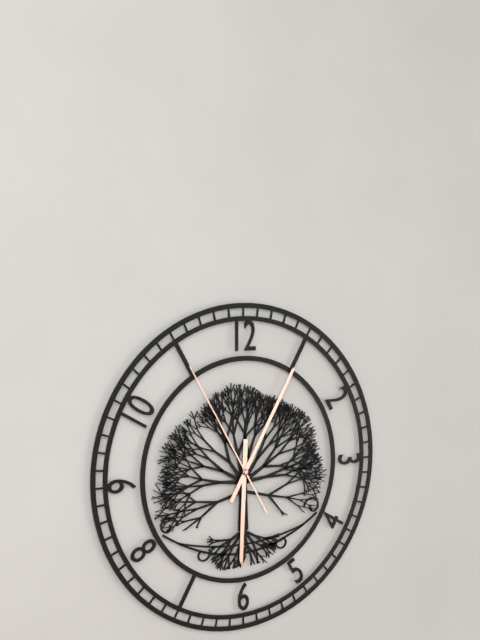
6h05m55s
